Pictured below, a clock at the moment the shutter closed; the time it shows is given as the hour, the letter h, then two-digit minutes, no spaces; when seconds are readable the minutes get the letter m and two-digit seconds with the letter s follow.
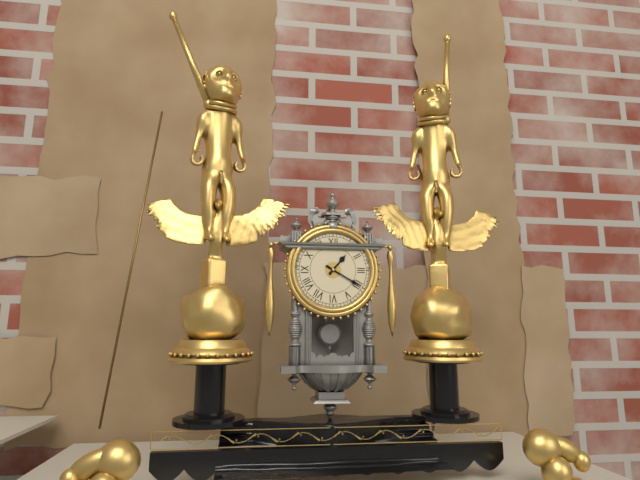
1h20
